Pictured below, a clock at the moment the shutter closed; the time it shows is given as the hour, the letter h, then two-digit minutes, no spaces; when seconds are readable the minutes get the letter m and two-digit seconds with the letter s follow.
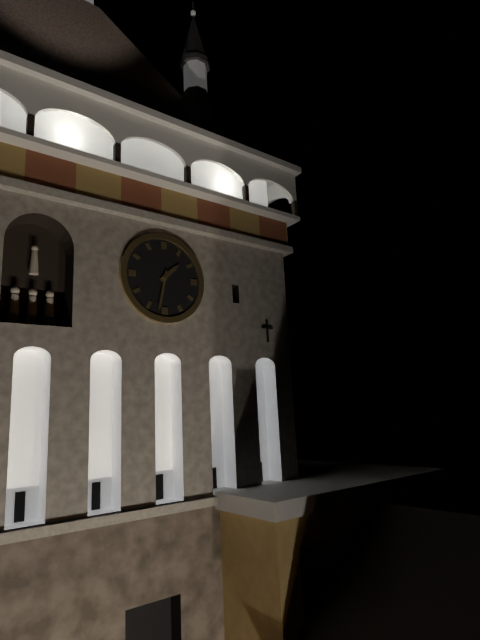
1h32
